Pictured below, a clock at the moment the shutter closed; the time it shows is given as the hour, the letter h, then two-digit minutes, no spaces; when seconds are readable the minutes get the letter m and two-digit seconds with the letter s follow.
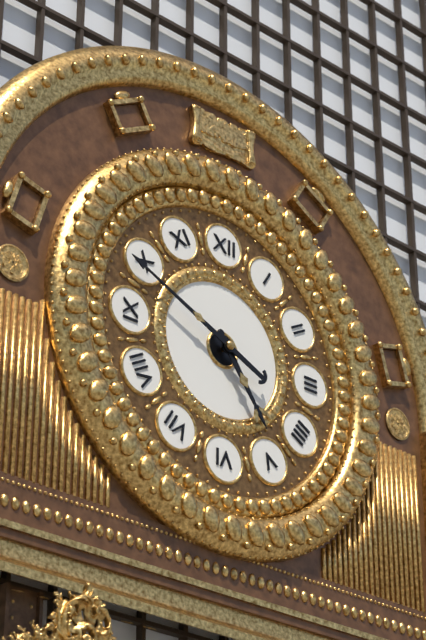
4h49
